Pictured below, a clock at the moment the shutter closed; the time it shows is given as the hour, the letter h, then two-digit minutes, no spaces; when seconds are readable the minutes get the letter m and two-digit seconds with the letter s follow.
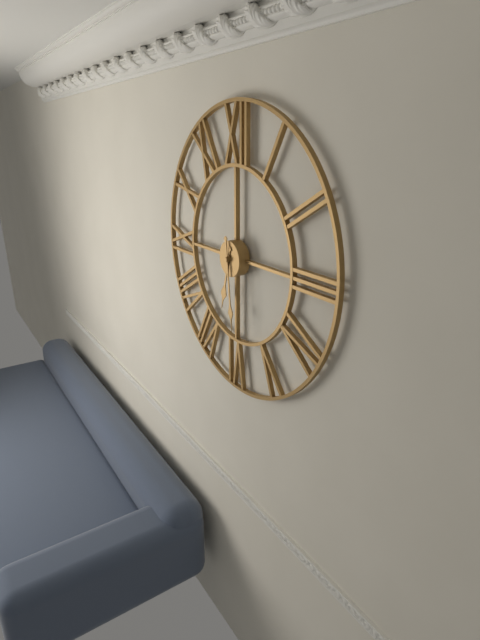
6h29
